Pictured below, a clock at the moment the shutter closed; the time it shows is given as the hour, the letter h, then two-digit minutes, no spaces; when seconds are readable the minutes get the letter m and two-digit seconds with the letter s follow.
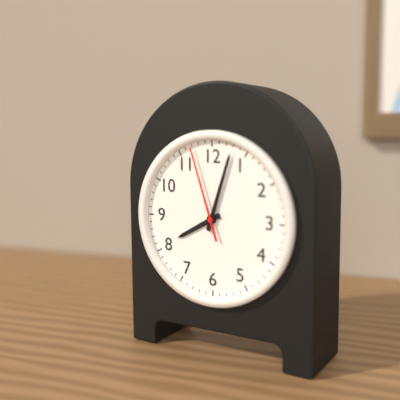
8h03m57s
